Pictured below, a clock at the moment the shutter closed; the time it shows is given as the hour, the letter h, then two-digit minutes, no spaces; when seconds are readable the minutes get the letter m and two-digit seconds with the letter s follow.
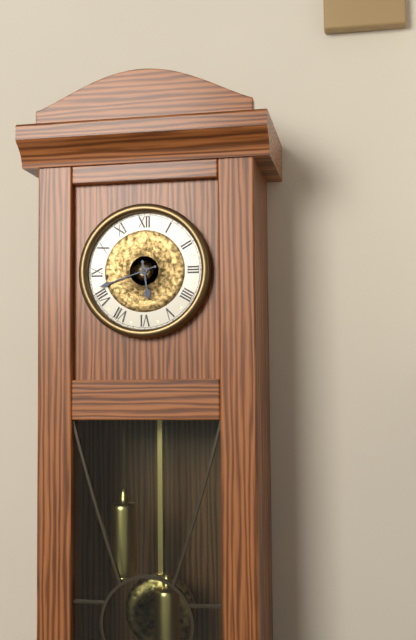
5h42
